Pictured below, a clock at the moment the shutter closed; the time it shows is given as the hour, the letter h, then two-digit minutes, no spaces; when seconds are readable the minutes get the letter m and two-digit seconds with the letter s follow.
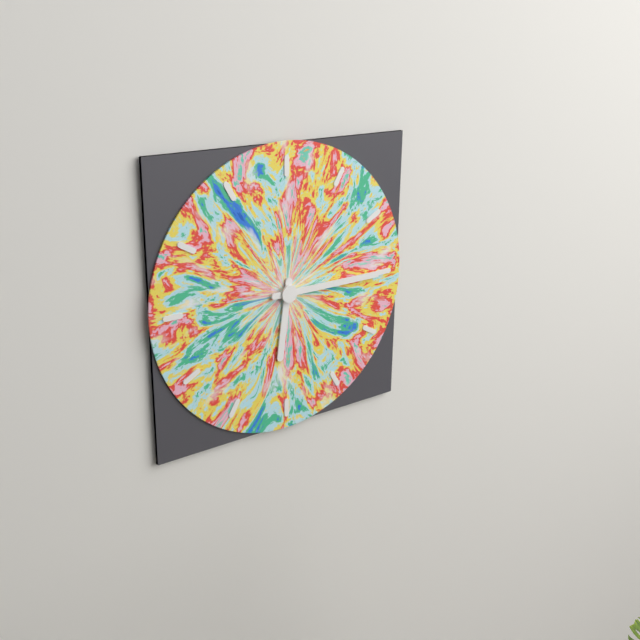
6h15
